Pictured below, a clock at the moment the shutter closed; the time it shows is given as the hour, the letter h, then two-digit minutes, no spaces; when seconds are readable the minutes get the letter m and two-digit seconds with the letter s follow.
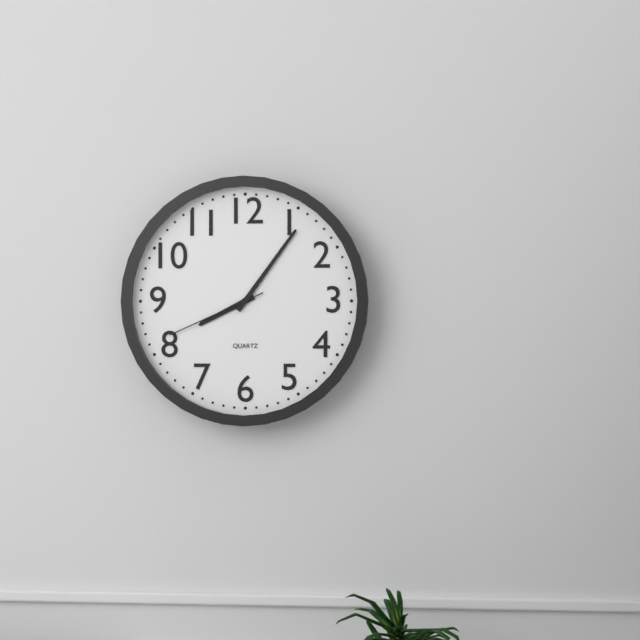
8h06m41s
